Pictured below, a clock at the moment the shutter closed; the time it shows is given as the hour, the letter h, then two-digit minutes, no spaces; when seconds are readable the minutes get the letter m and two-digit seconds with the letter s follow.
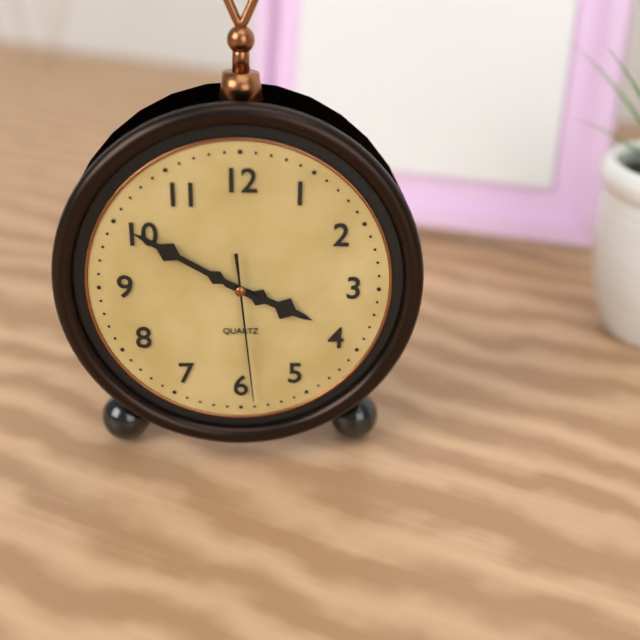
3h50m29s
